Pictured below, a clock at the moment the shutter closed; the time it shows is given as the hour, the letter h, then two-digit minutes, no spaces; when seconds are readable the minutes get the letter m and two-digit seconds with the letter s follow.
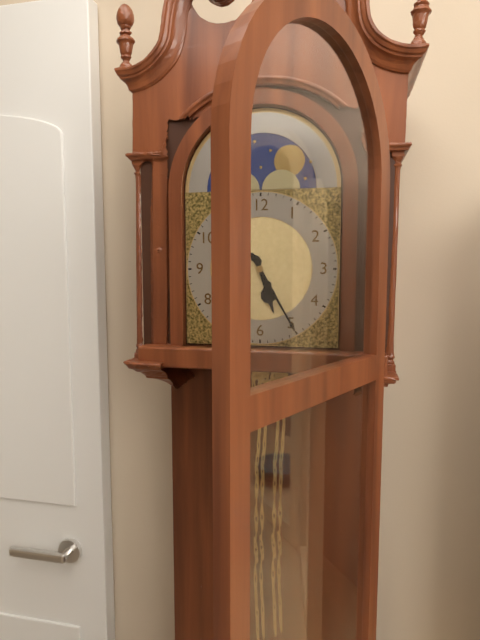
5h25
